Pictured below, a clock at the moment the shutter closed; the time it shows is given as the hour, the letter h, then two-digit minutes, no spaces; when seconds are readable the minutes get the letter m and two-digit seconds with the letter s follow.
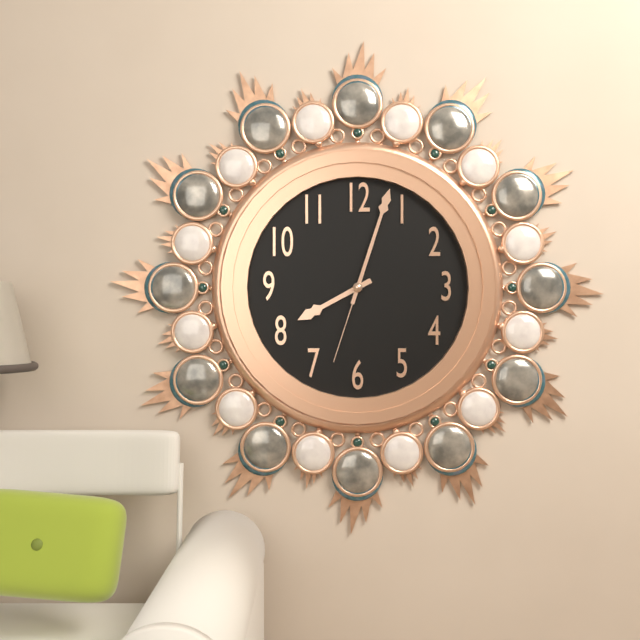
8h03m33s
